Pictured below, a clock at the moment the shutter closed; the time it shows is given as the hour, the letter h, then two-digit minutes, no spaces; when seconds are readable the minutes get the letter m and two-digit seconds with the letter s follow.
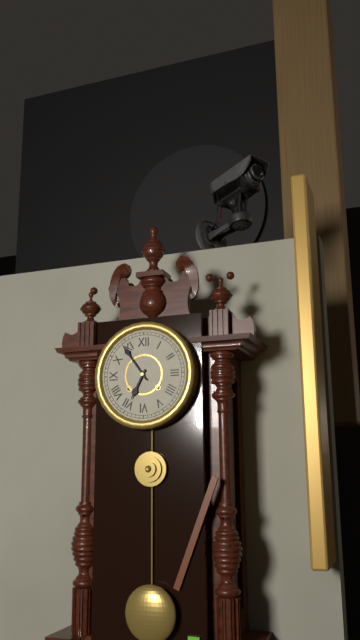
6h54
